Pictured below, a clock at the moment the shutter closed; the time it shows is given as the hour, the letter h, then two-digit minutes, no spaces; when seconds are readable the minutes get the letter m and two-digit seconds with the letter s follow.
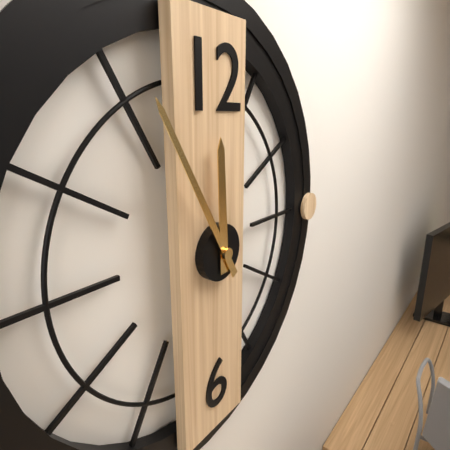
11h55
